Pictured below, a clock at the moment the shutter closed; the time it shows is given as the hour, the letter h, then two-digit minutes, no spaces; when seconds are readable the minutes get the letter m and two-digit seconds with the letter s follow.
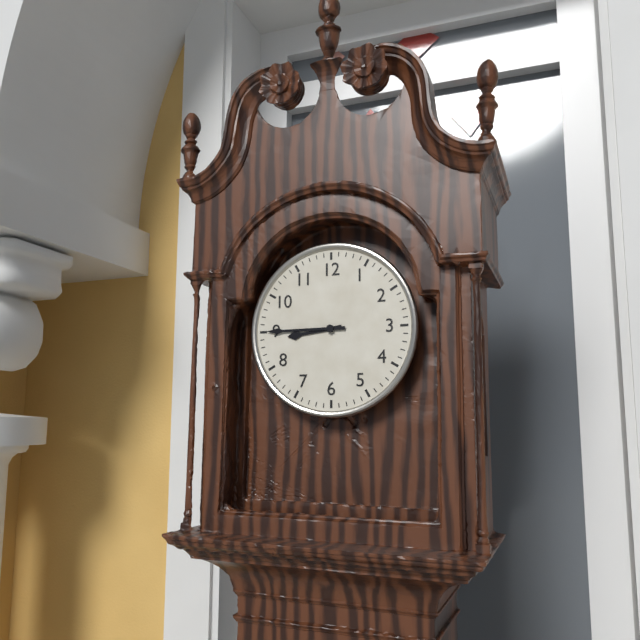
8h45
